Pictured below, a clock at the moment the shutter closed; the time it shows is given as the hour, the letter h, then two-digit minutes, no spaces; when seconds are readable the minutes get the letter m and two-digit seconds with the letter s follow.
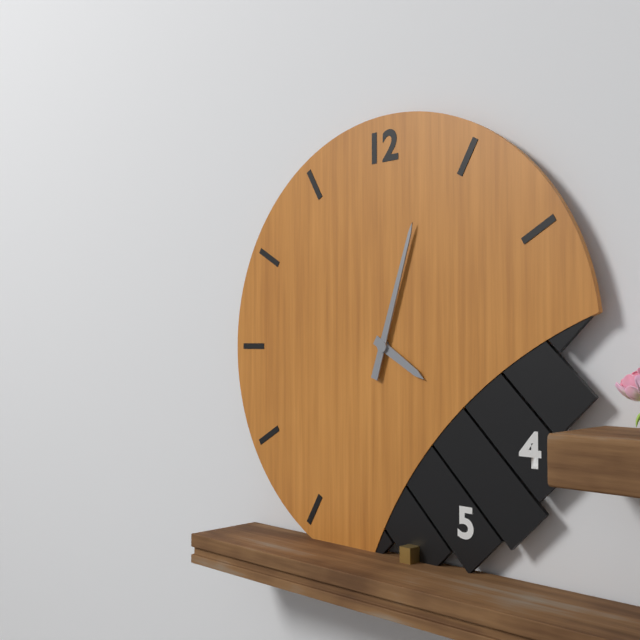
4h03
